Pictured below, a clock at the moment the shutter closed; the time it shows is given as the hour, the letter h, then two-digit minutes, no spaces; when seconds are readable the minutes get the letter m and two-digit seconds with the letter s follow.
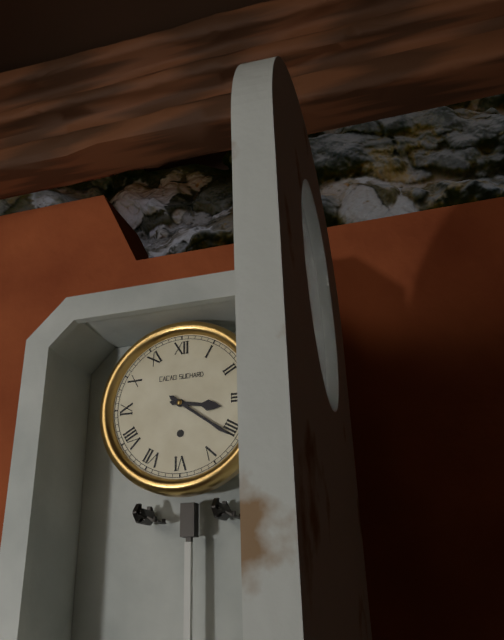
3h21
